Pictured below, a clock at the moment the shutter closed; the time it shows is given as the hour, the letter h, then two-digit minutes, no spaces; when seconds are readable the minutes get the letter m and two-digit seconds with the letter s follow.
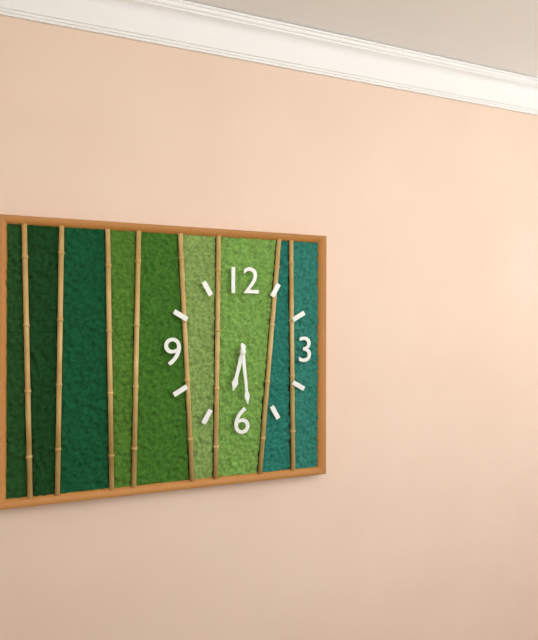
6h29
